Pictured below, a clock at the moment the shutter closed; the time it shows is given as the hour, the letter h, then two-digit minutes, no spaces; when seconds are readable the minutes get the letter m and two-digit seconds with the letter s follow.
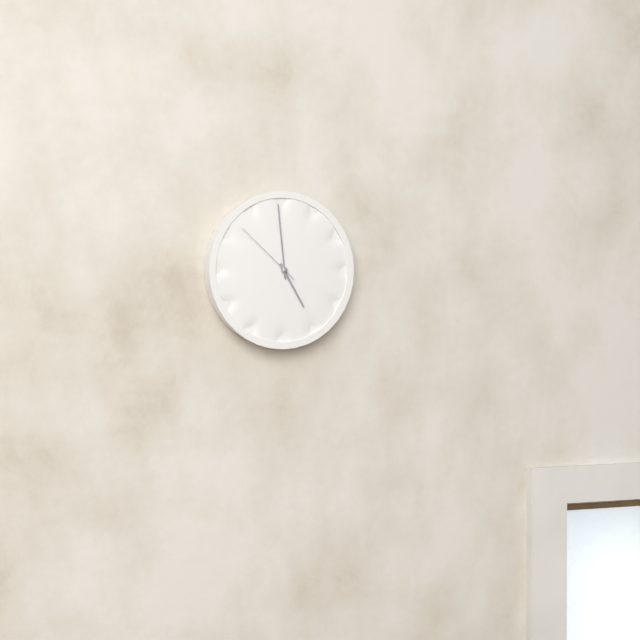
4h59m52s
